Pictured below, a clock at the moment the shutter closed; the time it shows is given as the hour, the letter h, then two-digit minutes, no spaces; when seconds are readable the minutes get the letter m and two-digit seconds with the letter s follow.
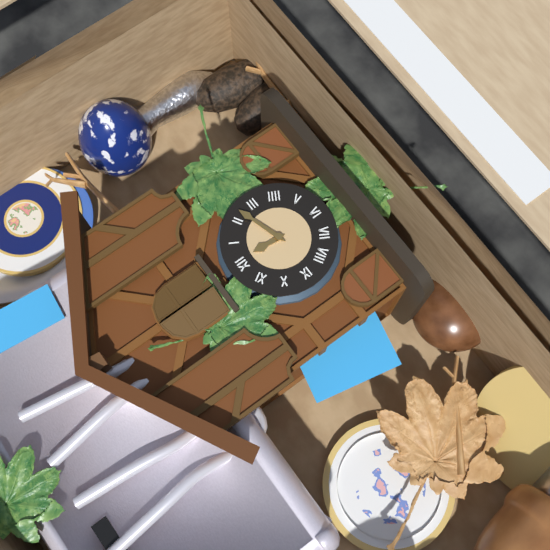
12h12
